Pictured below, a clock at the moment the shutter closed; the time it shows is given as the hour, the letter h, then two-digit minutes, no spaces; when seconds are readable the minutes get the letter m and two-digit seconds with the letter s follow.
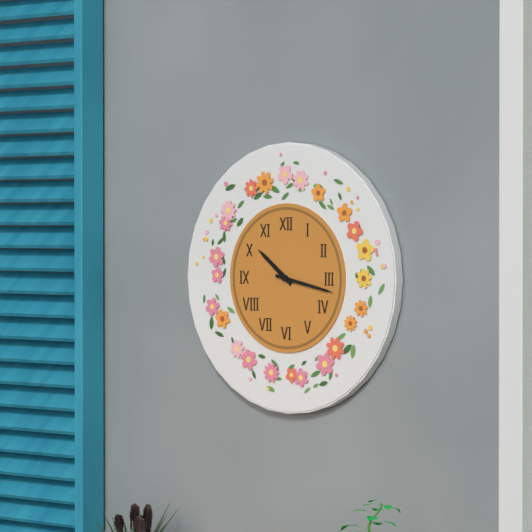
10h17
